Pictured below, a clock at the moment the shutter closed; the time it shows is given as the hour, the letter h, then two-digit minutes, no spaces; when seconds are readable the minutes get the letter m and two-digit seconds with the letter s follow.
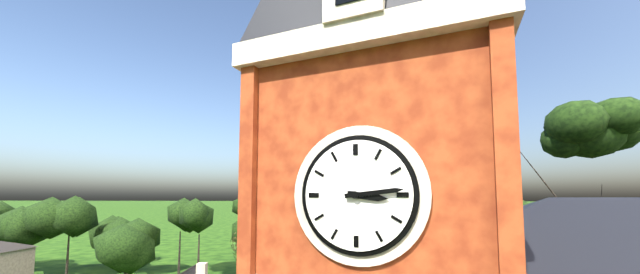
3h14
